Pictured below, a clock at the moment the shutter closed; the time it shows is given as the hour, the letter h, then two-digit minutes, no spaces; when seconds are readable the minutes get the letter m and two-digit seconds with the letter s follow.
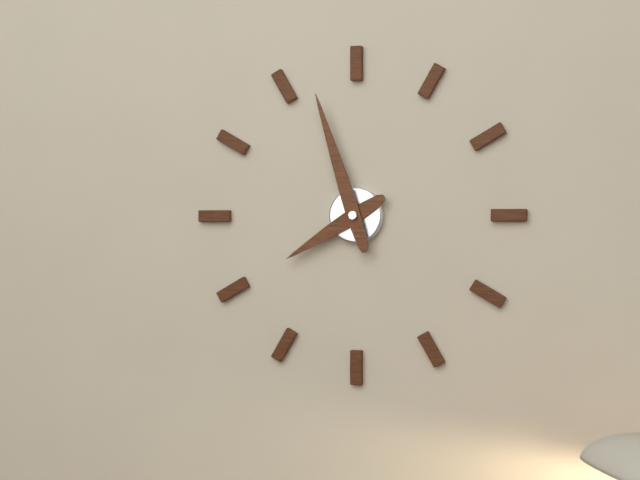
7h57
